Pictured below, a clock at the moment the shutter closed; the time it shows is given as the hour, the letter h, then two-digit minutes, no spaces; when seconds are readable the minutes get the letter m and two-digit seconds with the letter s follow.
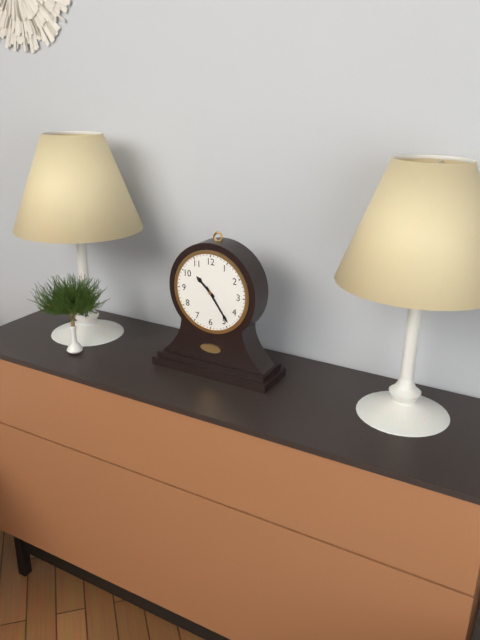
10h24
